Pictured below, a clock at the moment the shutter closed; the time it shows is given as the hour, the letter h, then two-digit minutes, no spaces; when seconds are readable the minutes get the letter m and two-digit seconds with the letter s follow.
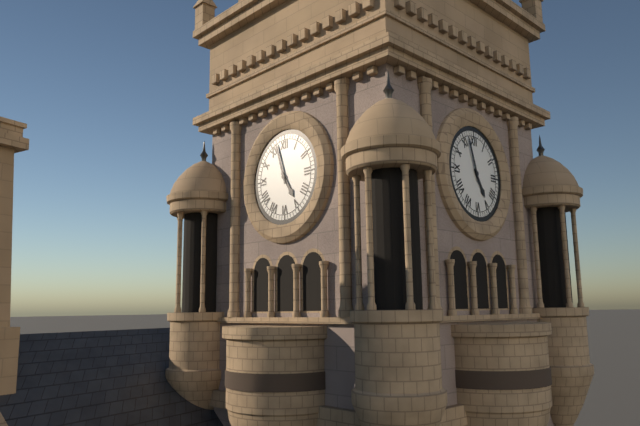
4h57
